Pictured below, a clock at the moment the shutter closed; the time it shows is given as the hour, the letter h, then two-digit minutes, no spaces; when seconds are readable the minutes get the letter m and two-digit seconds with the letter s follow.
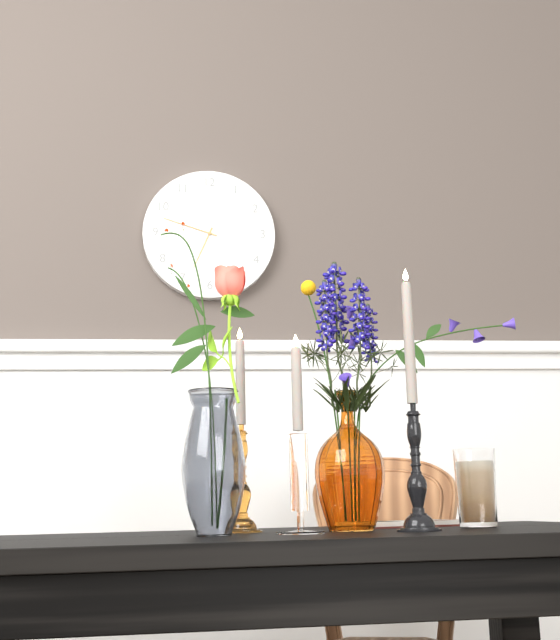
6h48
